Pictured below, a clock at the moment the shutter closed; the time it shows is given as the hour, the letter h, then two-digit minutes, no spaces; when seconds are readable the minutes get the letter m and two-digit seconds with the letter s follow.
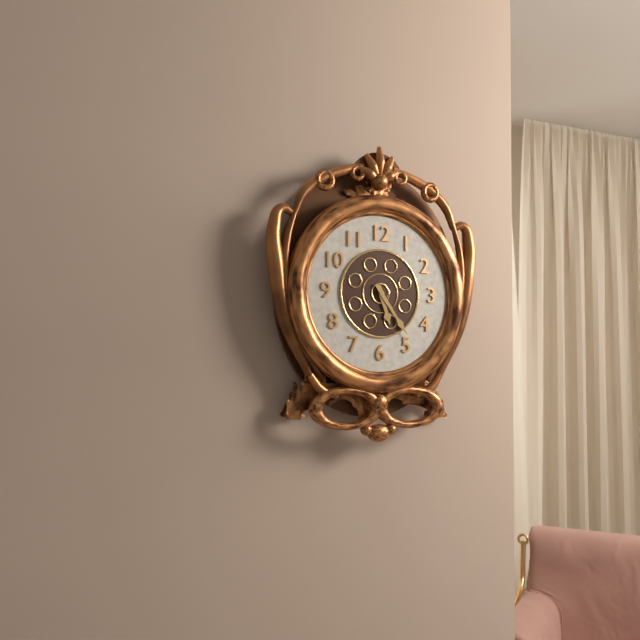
5h24
